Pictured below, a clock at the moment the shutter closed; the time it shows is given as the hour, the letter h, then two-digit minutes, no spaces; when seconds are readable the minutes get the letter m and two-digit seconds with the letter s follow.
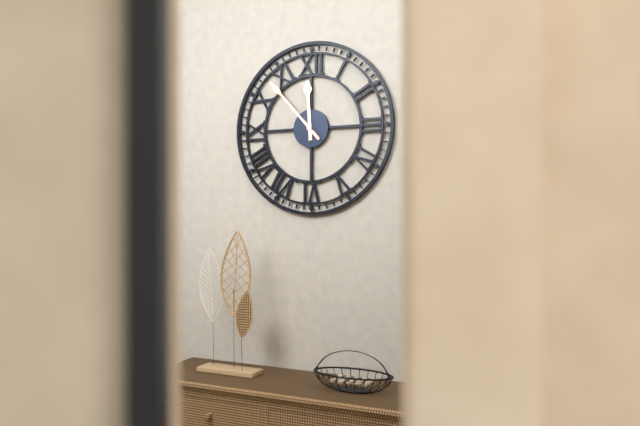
11h53
